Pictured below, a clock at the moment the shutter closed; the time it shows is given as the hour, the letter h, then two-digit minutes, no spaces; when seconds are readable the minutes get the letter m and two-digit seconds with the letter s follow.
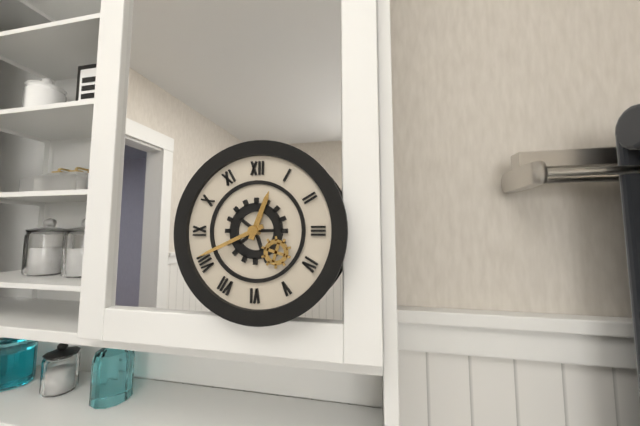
12h41
